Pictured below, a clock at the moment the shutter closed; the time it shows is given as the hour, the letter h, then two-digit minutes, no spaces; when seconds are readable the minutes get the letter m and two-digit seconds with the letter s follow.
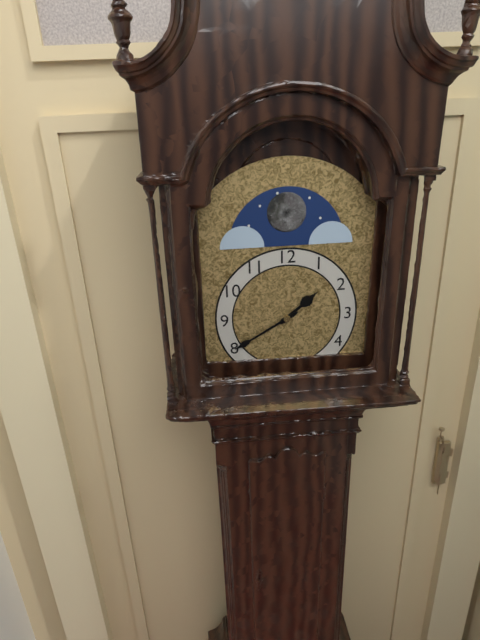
1h40
